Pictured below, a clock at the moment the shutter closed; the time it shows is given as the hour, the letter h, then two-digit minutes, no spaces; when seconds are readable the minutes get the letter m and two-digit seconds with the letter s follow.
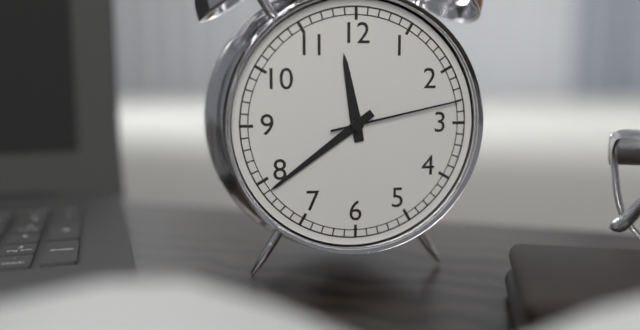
11h39m13s
